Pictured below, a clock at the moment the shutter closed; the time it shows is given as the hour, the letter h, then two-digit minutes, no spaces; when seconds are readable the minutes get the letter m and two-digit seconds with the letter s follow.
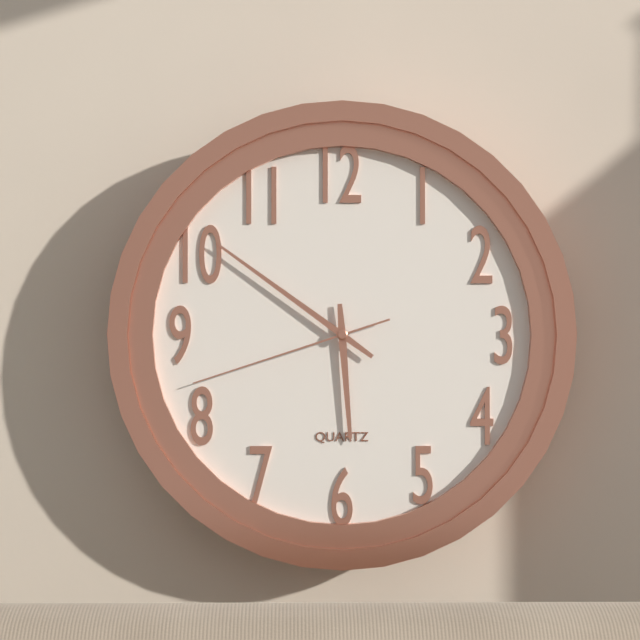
5h51m42s
